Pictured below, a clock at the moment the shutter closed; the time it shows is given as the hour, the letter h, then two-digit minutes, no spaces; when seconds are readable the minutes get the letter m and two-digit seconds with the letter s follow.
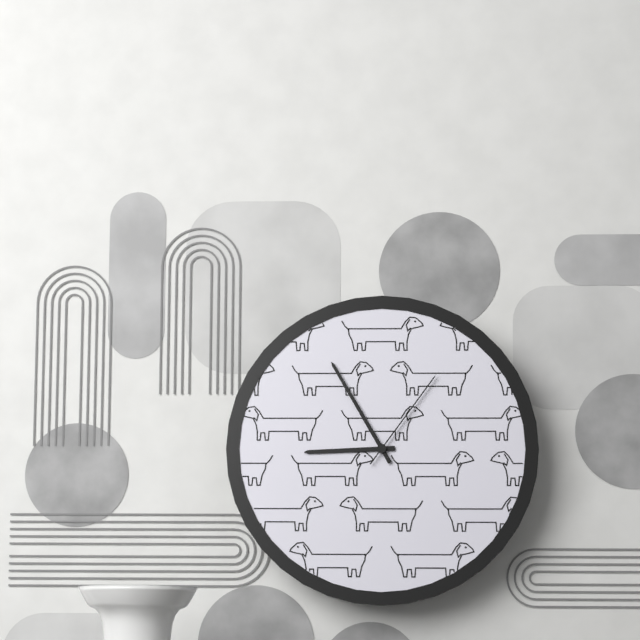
8h55m06s
